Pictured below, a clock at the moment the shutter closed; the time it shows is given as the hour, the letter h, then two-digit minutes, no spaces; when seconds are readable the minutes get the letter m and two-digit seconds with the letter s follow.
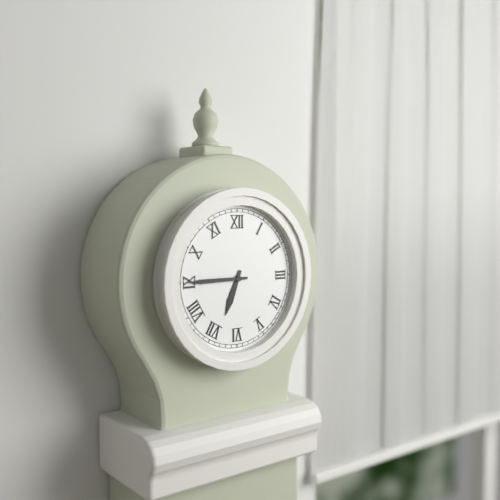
6h45
